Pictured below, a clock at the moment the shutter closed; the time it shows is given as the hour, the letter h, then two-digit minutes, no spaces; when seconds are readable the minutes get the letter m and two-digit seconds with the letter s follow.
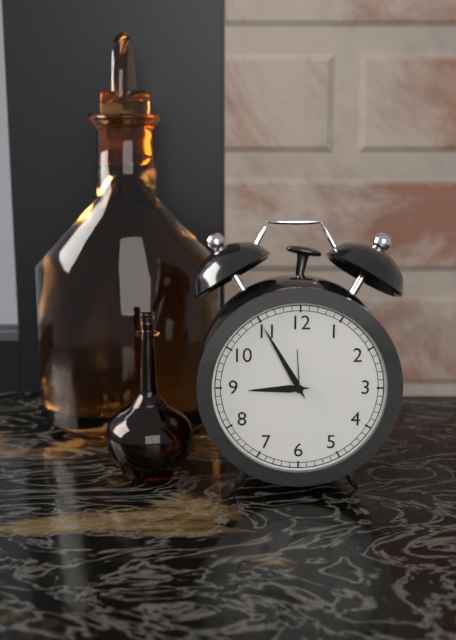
8h55
